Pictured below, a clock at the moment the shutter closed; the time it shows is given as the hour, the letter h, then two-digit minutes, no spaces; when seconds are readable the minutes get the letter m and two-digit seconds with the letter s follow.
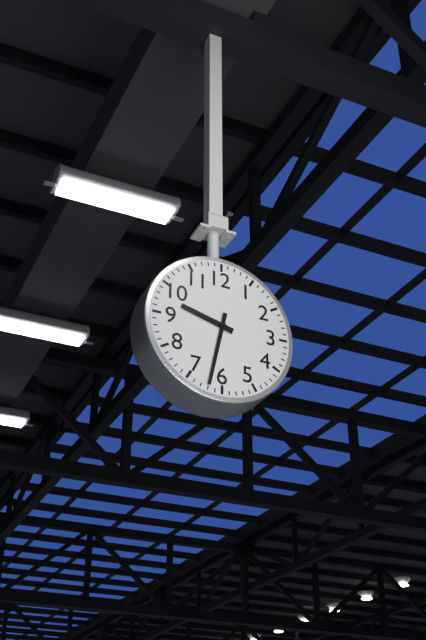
9h32
